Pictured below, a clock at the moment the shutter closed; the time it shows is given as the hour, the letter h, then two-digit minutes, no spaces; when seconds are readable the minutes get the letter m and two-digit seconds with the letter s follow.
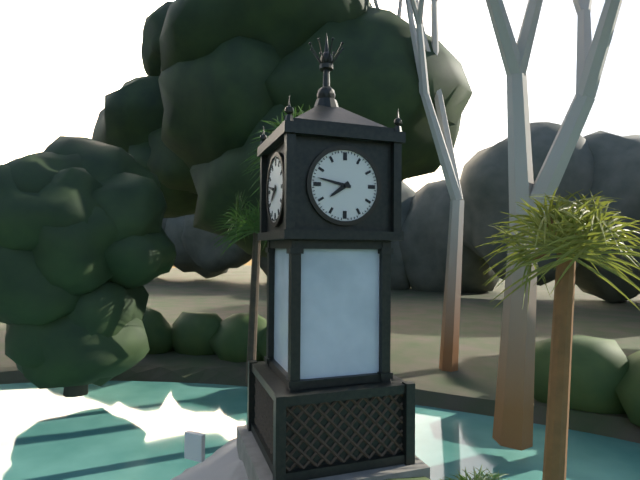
7h47
